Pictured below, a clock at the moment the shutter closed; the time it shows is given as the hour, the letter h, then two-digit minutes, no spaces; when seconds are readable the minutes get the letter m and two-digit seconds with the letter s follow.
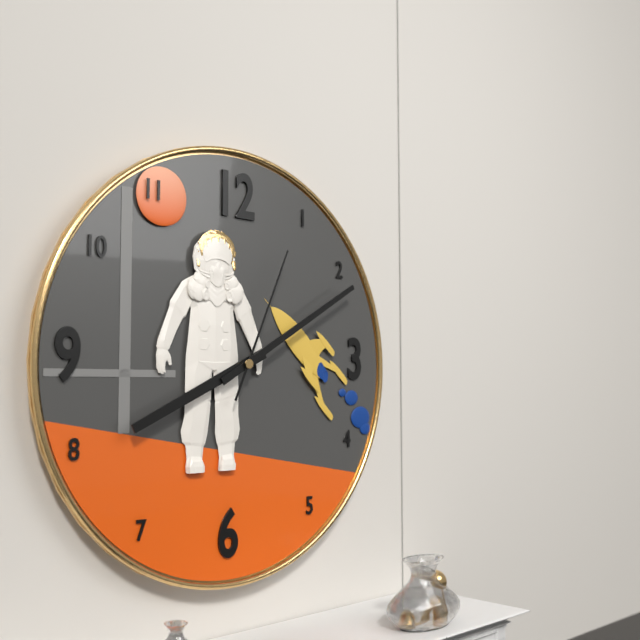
8h10m04s
